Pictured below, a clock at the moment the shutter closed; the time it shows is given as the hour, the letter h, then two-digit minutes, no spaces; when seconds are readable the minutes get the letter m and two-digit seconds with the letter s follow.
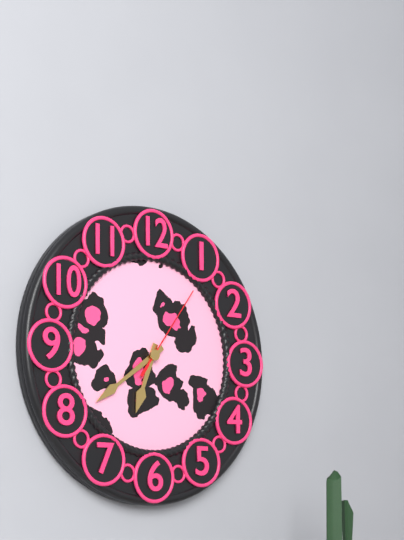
6h39m06s
